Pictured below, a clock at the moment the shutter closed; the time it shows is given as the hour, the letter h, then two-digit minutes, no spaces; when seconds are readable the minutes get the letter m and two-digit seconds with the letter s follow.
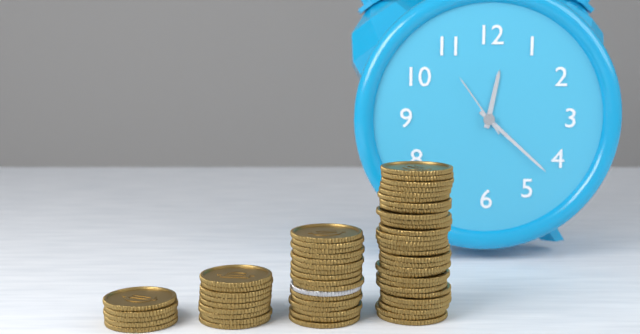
12h22m54s
